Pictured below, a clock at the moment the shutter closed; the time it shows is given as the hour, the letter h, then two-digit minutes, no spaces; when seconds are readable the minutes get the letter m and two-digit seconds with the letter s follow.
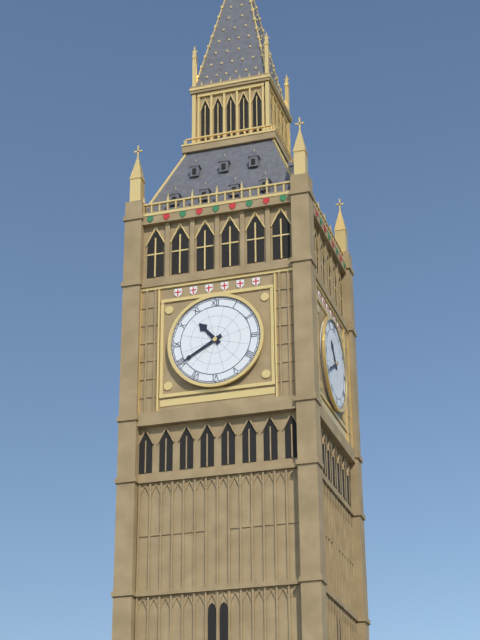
10h40
